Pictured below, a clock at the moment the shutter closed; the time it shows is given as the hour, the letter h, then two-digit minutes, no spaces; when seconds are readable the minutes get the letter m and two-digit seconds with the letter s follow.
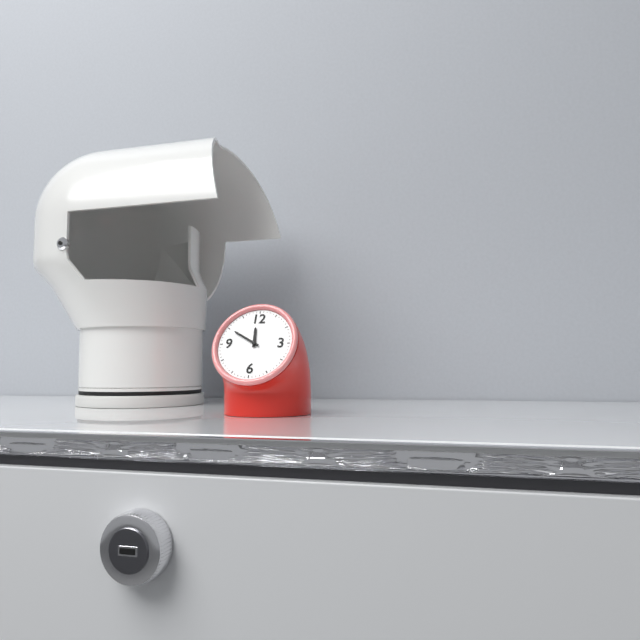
11h50
